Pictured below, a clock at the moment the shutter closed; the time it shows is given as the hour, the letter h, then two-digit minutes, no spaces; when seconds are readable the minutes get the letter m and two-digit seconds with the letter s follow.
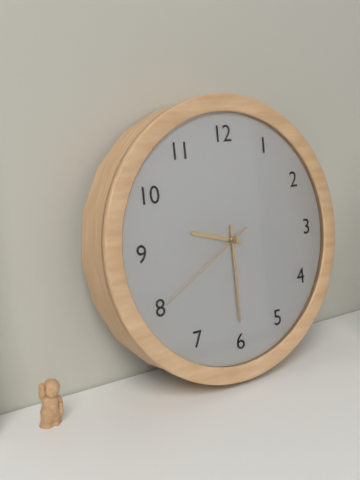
9h30m40s
